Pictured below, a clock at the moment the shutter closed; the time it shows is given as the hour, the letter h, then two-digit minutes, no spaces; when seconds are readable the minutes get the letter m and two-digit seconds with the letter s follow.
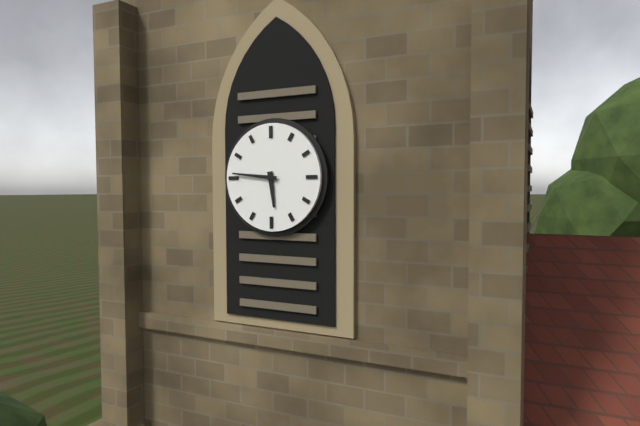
5h46
